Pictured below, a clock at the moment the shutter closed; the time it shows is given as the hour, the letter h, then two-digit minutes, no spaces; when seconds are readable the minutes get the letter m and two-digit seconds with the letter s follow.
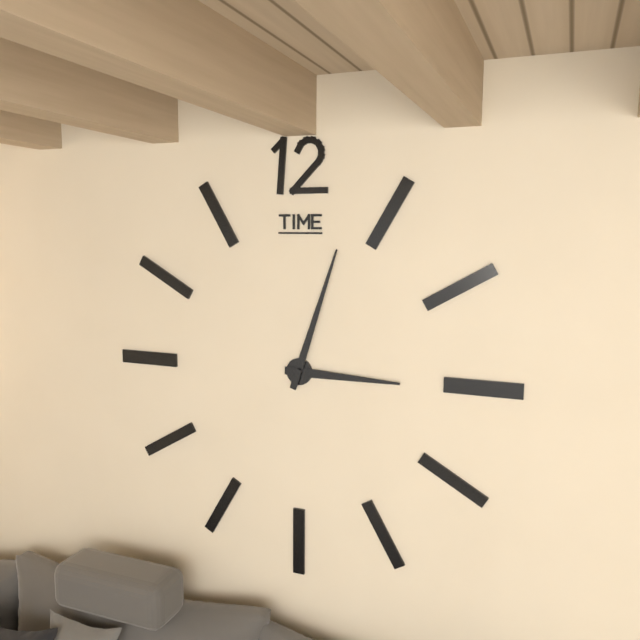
3h03
